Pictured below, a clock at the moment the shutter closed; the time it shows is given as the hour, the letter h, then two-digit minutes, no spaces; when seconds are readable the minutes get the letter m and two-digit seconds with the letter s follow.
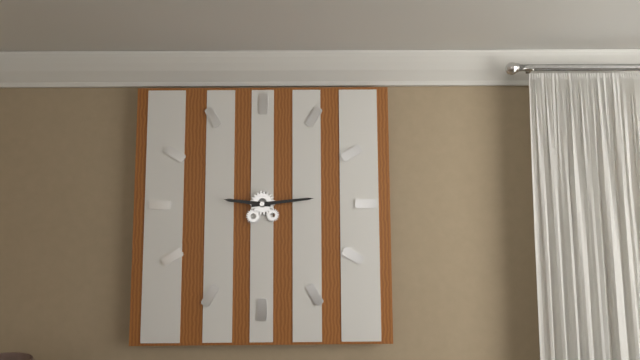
9h14
